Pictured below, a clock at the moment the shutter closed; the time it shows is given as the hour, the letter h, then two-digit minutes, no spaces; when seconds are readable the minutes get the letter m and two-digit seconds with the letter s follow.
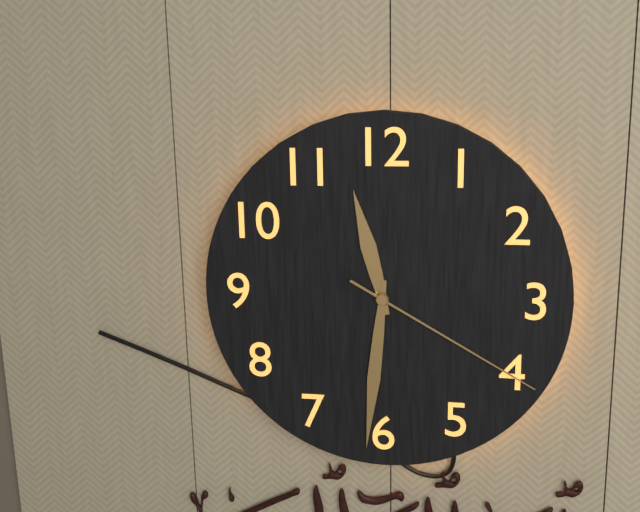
11h31m20s
